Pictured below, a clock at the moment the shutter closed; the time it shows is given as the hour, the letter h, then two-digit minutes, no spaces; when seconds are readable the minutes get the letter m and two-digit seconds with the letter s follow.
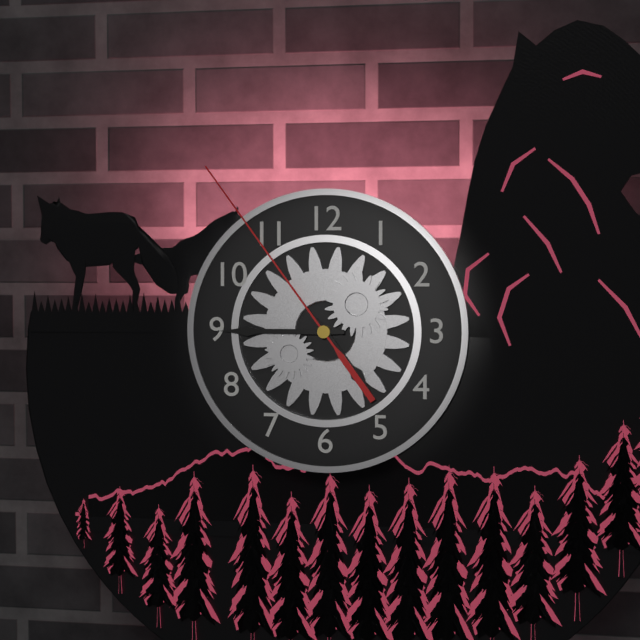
4h45m54s
